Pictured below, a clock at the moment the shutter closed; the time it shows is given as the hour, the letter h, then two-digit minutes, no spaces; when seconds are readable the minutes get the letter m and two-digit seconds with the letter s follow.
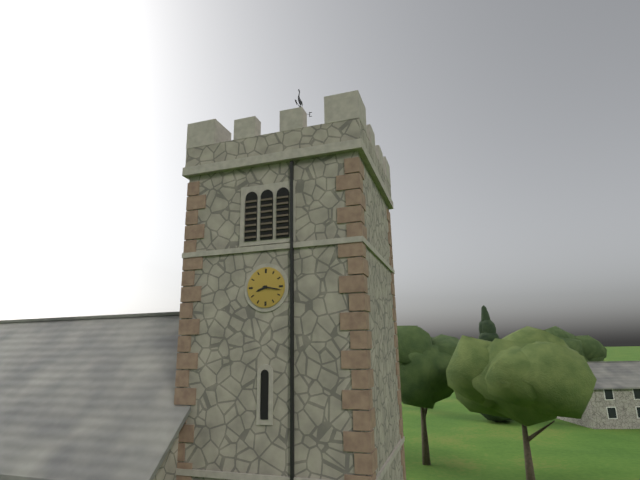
8h17
